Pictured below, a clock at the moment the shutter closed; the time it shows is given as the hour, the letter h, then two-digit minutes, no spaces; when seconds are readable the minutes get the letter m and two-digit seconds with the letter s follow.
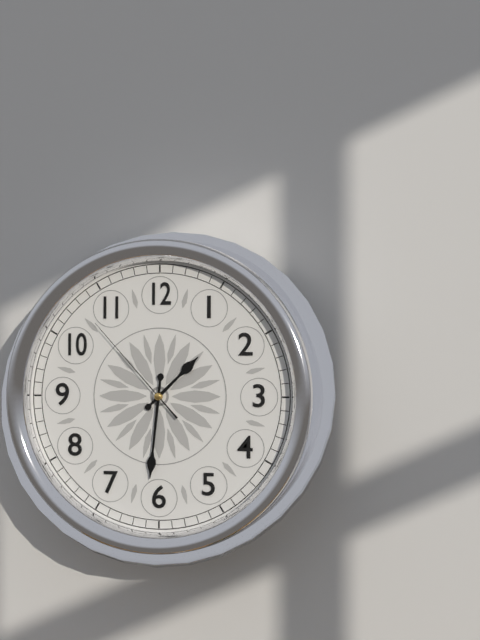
1h31m53s
